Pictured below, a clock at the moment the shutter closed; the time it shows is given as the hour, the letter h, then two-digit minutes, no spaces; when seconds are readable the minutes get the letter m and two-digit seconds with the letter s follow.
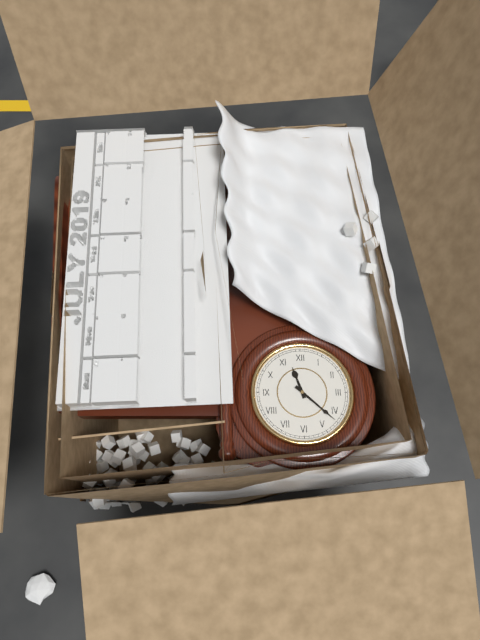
11h22
